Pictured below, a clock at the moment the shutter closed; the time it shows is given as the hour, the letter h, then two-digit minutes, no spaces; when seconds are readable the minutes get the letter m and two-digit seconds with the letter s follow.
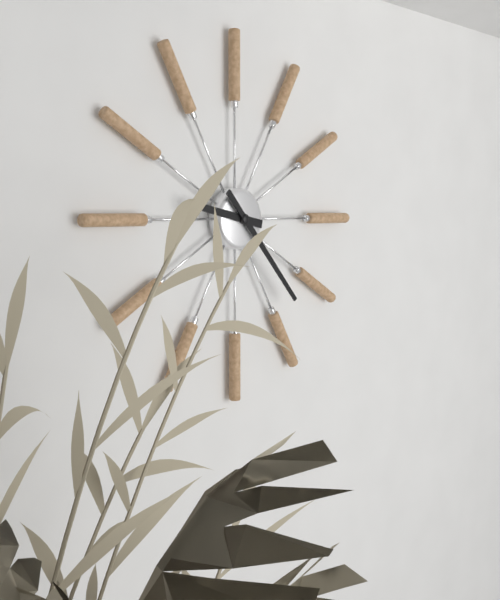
9h23
